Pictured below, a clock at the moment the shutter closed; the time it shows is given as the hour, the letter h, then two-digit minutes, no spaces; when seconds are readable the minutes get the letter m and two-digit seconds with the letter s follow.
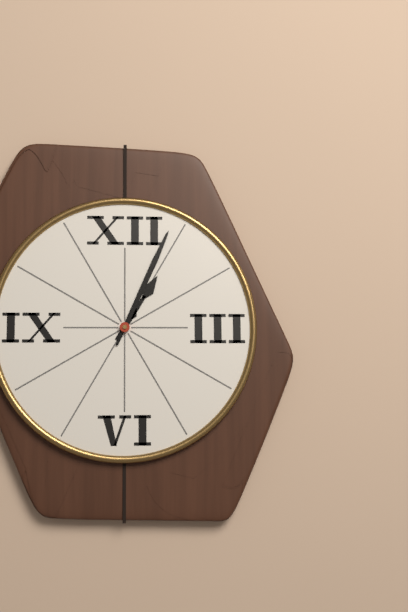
1h04
